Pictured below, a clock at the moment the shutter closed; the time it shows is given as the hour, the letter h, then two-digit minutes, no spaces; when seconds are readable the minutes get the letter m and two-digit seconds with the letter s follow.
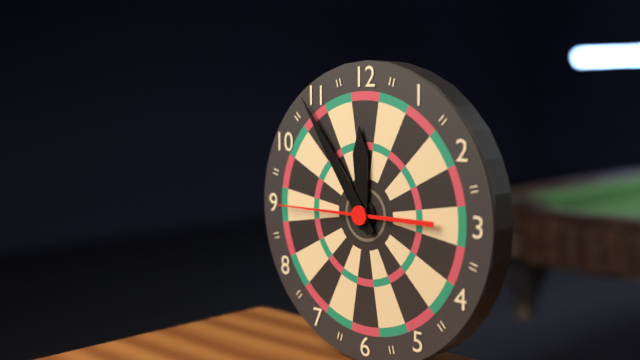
11h54m45s
